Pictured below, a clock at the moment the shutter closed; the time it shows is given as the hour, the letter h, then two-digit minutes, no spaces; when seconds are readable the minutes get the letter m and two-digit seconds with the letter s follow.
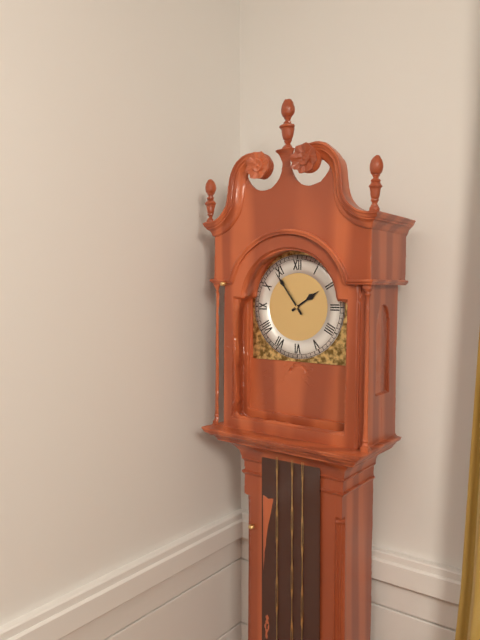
1h54
